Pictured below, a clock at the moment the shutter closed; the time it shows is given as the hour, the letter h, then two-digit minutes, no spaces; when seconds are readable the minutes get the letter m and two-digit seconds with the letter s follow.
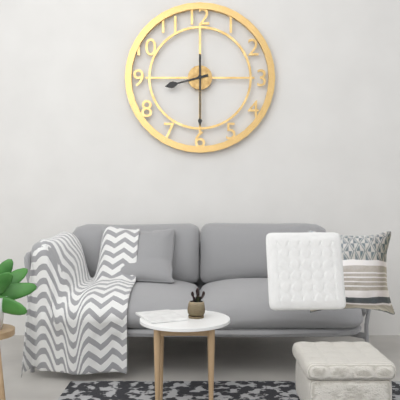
8h30
